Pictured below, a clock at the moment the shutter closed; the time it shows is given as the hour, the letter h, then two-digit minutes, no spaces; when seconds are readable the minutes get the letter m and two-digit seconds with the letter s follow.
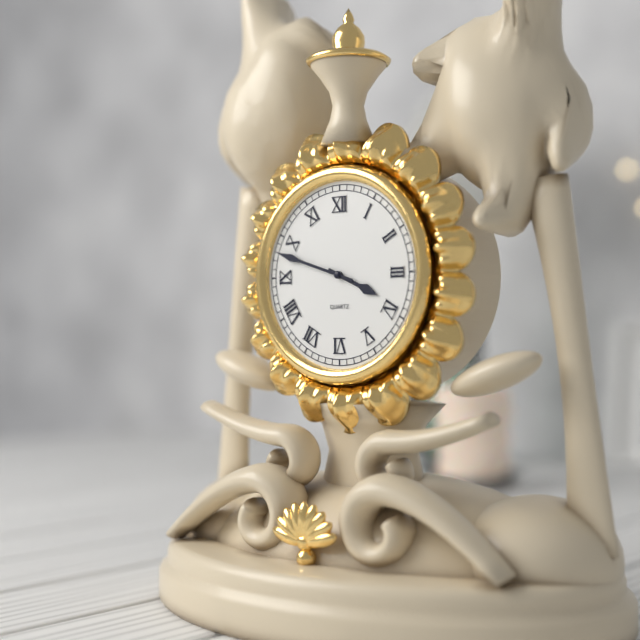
3h48
